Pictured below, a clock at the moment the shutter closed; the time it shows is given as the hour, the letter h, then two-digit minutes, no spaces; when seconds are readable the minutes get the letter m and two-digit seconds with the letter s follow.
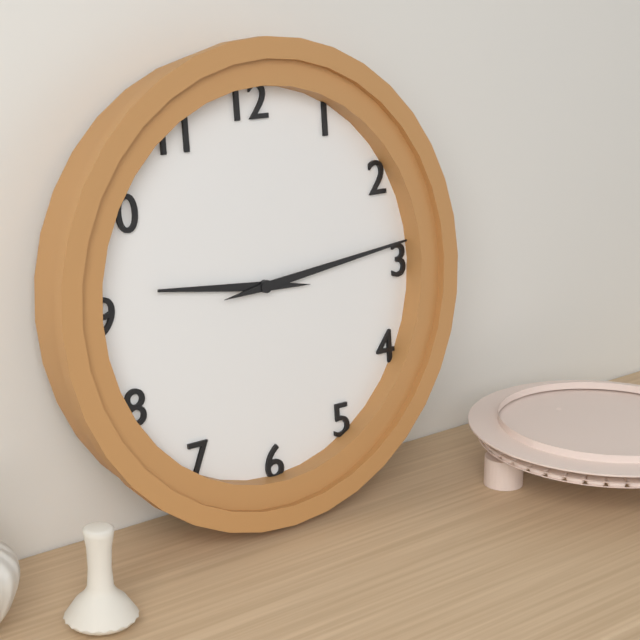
9h14
